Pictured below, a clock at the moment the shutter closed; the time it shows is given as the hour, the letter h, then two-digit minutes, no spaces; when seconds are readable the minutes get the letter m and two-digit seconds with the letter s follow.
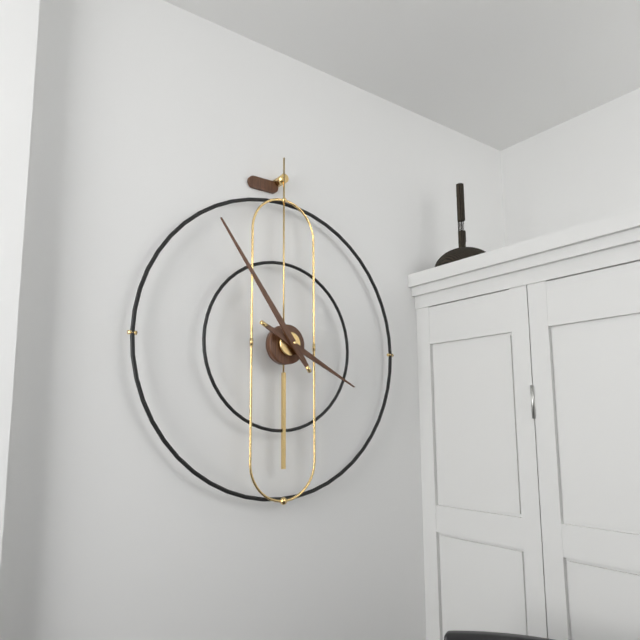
3h54
